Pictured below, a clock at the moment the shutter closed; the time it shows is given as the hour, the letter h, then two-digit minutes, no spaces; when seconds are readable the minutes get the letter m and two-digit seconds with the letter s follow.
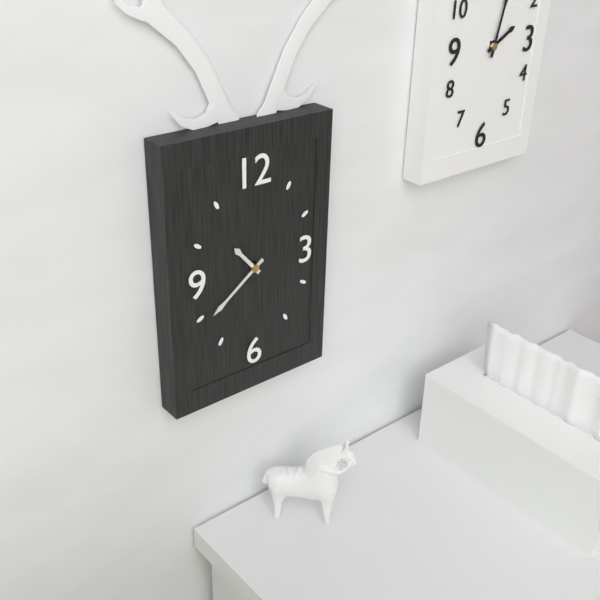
10h39
